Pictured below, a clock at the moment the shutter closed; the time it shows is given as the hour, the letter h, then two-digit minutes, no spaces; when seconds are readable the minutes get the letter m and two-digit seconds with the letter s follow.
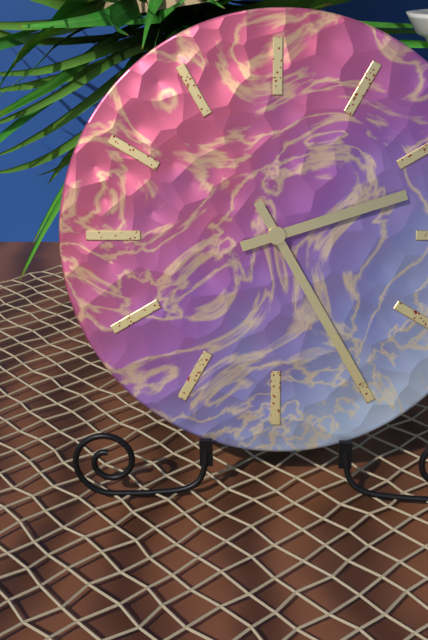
2h25
